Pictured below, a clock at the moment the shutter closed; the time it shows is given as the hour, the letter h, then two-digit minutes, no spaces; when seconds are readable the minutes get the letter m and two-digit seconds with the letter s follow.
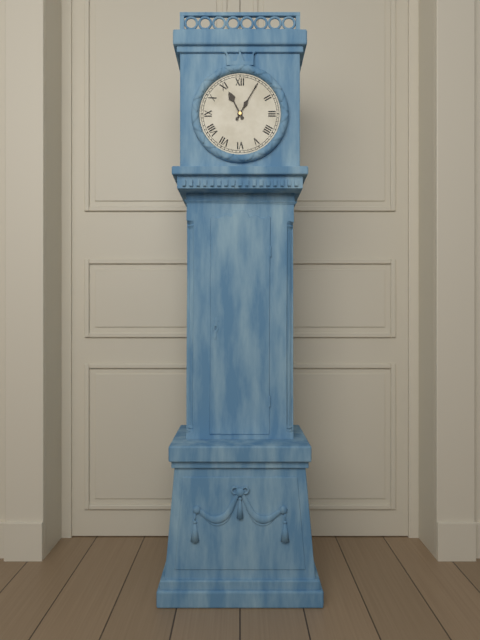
11h05
